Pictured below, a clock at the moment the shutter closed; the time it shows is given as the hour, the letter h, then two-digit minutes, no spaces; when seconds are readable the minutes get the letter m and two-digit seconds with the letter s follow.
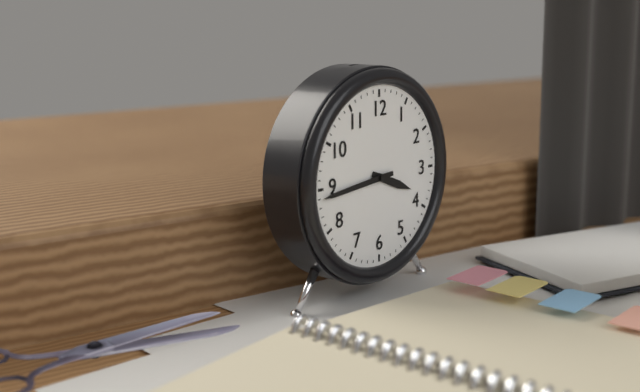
3h44
